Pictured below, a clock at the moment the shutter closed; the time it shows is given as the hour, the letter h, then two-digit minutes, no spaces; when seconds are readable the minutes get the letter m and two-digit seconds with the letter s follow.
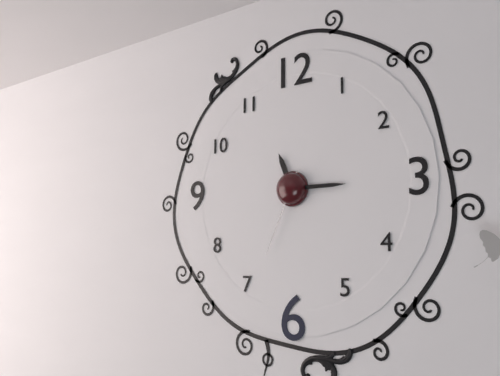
11h15m34s
